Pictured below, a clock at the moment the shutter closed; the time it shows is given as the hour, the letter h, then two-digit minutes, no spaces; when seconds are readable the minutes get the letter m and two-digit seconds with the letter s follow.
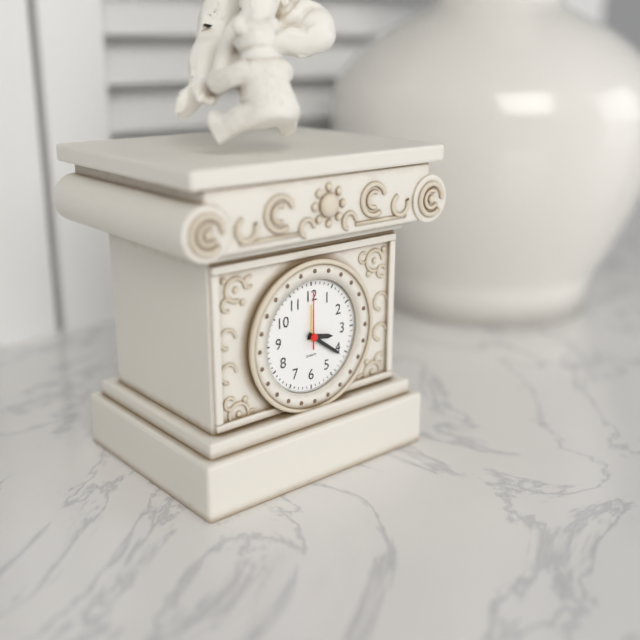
3h21m00s
